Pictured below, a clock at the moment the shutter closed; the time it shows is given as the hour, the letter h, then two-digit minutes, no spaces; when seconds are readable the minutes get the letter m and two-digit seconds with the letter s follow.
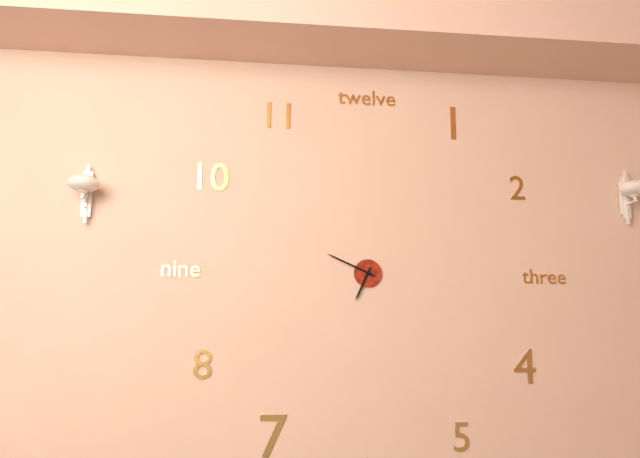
6h49
